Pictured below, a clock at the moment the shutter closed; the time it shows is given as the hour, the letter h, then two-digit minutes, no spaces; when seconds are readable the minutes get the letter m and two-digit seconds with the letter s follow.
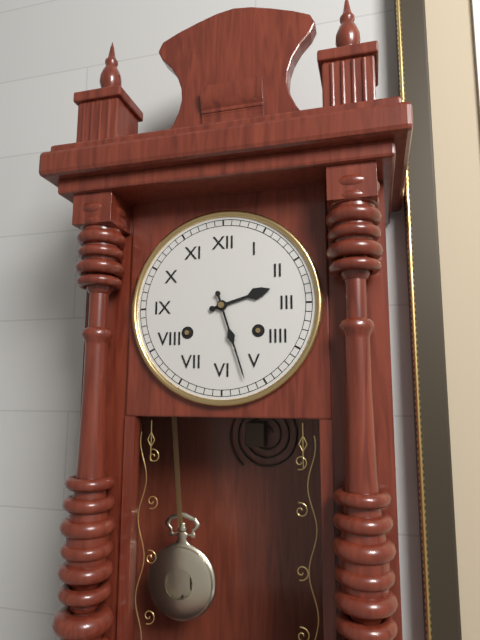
2h27
